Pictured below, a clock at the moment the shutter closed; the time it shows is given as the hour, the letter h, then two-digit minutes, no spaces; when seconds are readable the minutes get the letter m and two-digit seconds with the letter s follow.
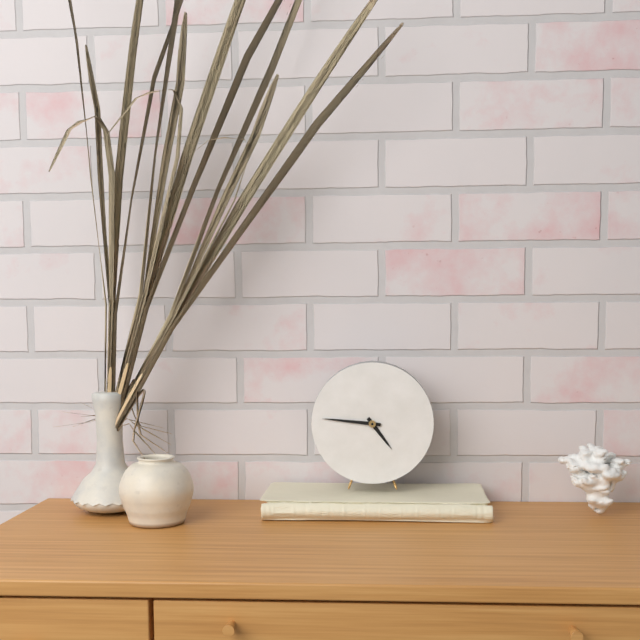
4h46
